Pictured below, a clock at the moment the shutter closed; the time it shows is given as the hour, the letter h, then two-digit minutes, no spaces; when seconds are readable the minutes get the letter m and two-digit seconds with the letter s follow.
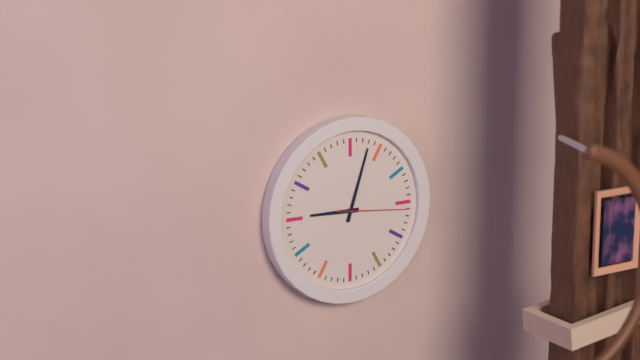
9h03m16s
